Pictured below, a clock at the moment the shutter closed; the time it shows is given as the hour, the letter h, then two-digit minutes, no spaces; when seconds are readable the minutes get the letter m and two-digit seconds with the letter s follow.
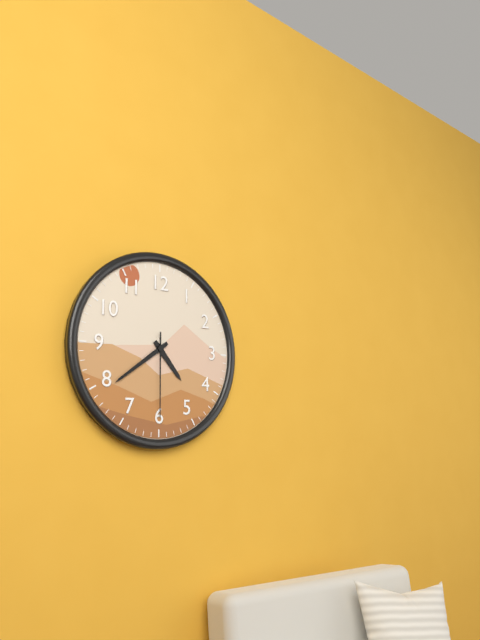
4h39m30s
